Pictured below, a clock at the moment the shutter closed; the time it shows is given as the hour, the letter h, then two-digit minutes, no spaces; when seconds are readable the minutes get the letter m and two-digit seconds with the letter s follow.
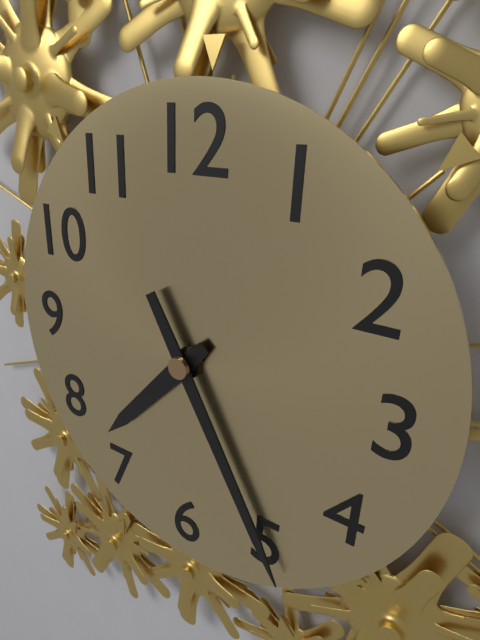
7h25
